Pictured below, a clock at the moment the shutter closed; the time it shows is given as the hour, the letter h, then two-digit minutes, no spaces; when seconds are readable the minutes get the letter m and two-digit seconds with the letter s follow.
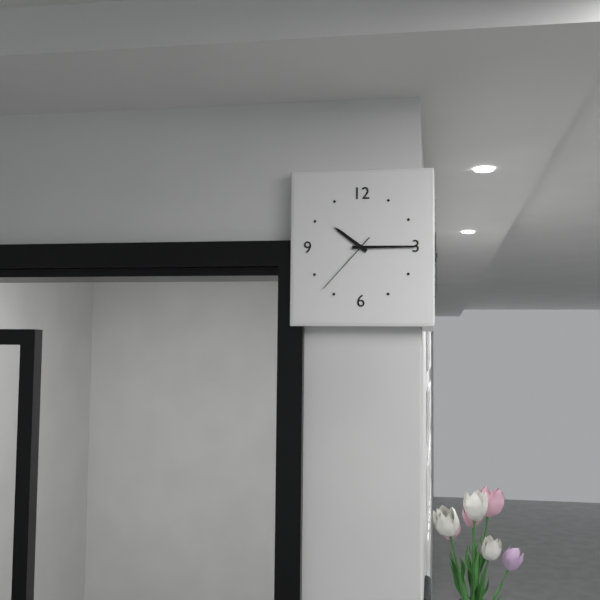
10h15m37s
